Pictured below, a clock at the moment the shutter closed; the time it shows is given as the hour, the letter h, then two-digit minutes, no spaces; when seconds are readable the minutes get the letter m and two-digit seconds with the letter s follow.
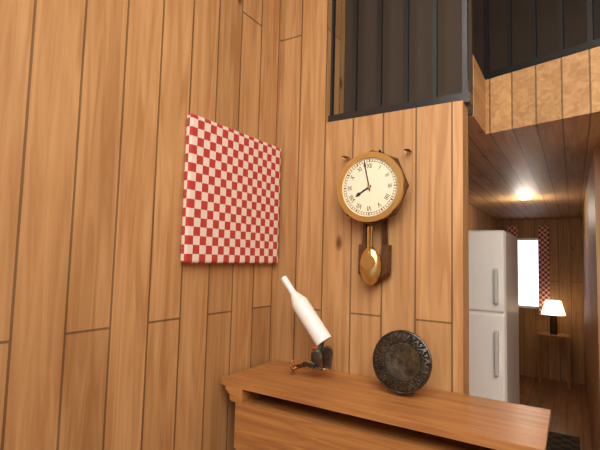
7h58
